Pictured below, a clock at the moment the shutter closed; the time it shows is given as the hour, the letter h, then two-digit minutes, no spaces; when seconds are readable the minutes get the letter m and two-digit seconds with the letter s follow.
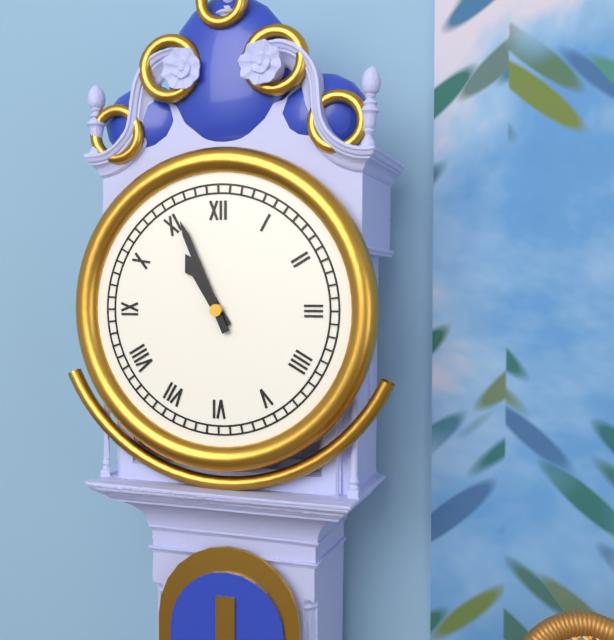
10h56
